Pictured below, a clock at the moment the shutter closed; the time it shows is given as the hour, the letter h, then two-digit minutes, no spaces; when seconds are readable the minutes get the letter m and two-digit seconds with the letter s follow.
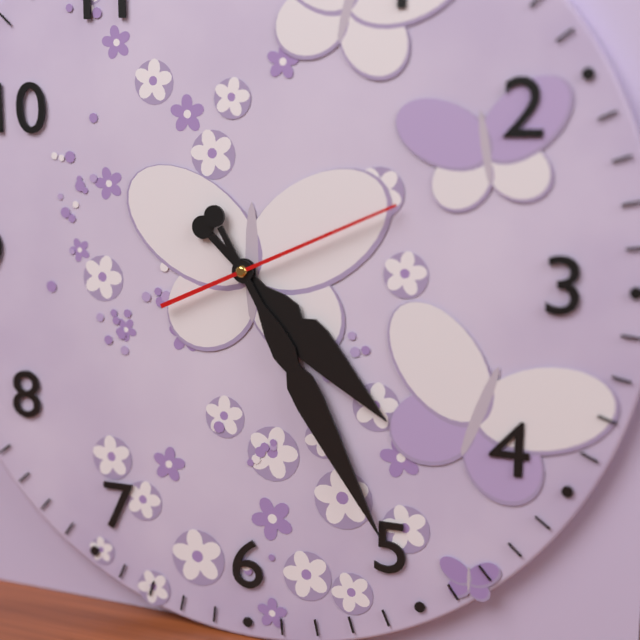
4h25m11s
